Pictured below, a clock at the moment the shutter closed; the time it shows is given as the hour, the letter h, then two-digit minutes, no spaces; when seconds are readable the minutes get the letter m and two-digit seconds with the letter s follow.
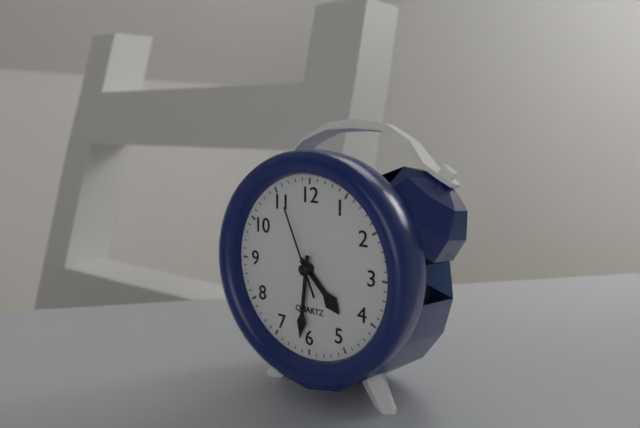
4h31m56s
